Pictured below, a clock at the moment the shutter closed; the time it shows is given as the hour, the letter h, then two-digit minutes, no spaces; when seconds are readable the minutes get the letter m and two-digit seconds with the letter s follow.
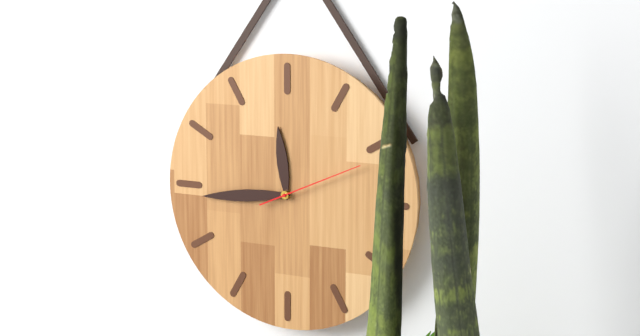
11h44m11s
